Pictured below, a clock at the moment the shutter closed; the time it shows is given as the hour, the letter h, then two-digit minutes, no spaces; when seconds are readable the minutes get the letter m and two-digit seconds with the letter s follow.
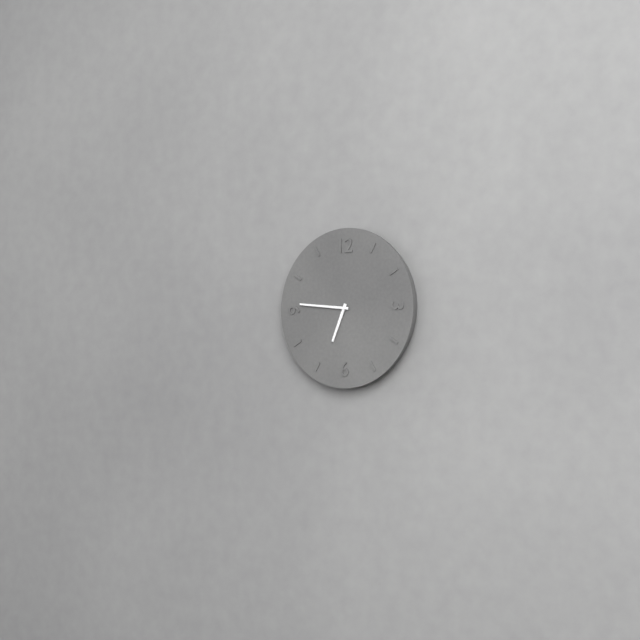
6h46
